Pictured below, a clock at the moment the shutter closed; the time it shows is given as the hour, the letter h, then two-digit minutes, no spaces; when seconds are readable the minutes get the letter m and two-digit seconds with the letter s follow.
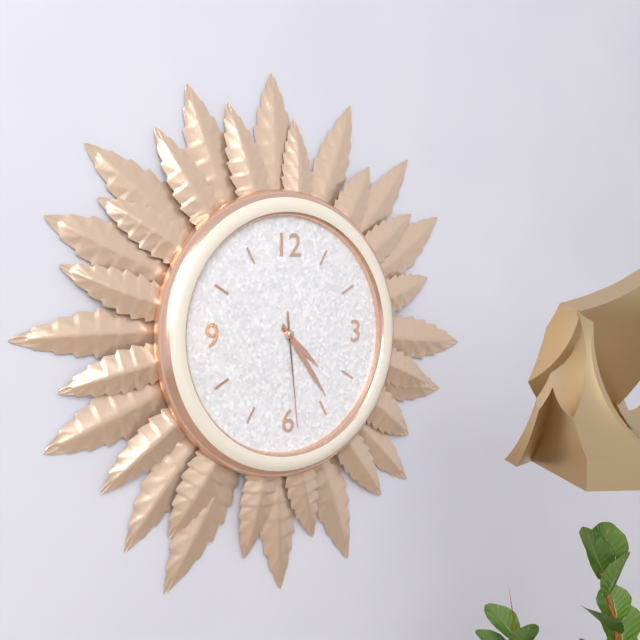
4h24m29s
